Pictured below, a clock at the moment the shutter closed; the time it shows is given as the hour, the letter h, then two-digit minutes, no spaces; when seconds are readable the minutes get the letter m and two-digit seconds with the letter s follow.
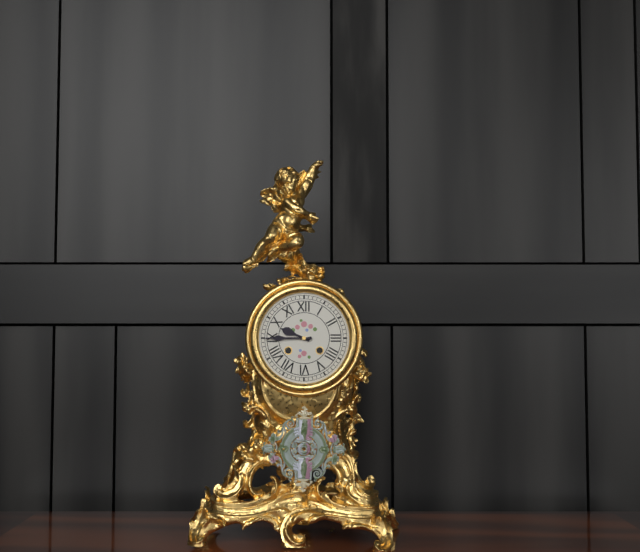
9h45
